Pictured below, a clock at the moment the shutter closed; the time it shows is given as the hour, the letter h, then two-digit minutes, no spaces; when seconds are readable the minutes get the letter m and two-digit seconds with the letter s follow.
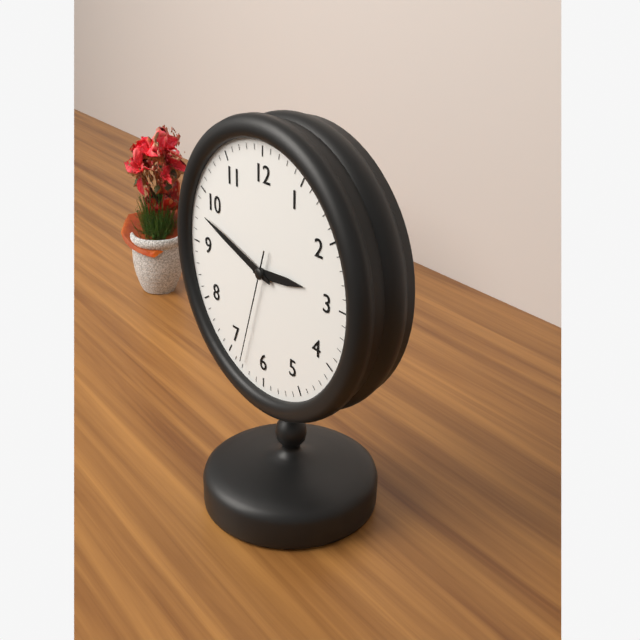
2h48m33s
